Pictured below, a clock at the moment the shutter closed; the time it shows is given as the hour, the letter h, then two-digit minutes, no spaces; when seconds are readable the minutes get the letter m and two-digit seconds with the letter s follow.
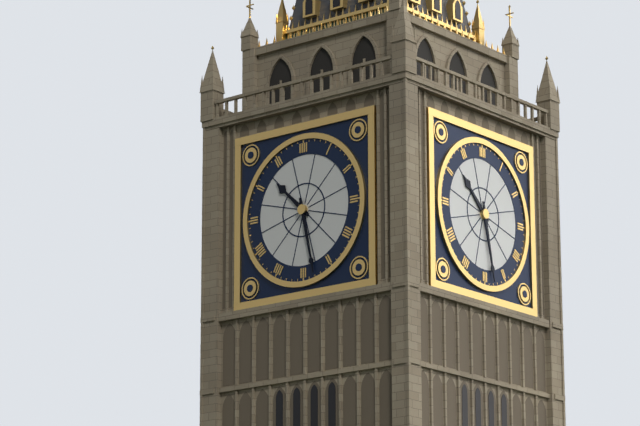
10h28
